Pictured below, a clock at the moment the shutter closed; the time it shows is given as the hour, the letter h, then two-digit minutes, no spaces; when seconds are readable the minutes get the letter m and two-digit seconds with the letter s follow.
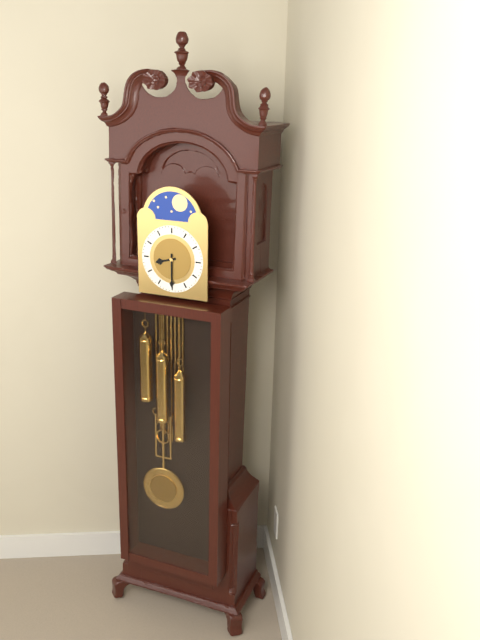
8h30
